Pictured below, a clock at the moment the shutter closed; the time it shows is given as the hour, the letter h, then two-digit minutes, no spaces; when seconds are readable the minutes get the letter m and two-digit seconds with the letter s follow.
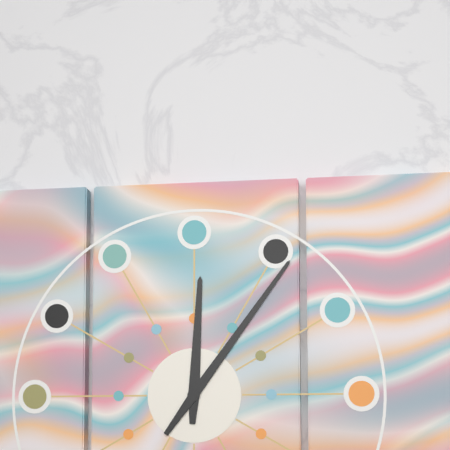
12h06
